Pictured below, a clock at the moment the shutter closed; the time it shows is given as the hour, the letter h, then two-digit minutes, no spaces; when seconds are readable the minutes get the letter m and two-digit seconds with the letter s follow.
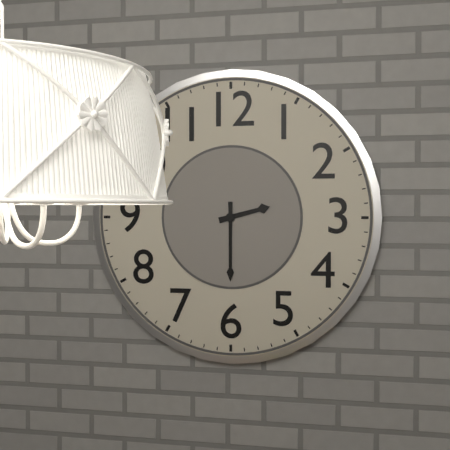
2h30
